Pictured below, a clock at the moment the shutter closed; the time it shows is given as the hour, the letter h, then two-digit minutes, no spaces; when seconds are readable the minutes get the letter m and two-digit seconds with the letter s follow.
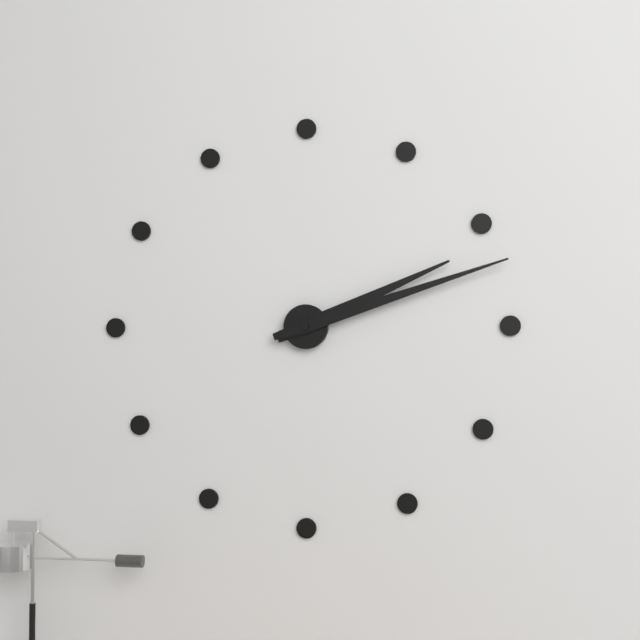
2h12
